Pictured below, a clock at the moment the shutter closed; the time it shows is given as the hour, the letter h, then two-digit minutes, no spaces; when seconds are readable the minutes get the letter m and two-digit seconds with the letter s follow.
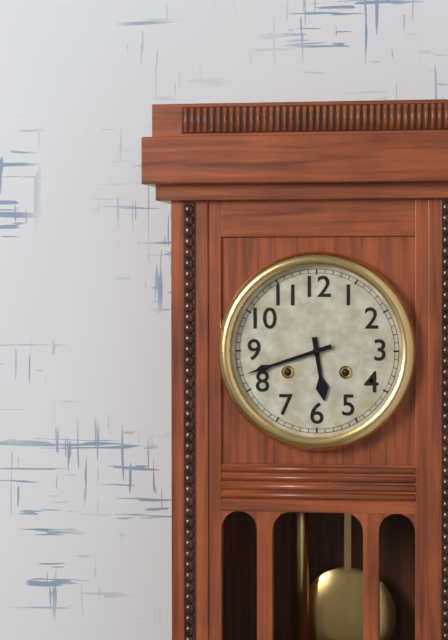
5h42
